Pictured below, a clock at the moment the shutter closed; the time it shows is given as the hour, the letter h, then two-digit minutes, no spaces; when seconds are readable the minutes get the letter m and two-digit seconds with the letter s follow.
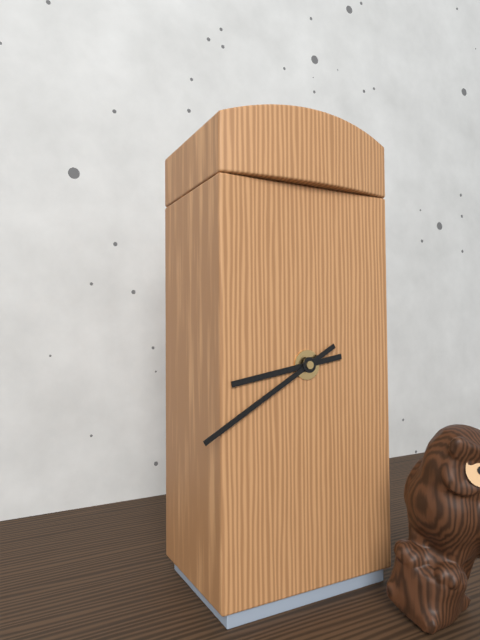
8h40
